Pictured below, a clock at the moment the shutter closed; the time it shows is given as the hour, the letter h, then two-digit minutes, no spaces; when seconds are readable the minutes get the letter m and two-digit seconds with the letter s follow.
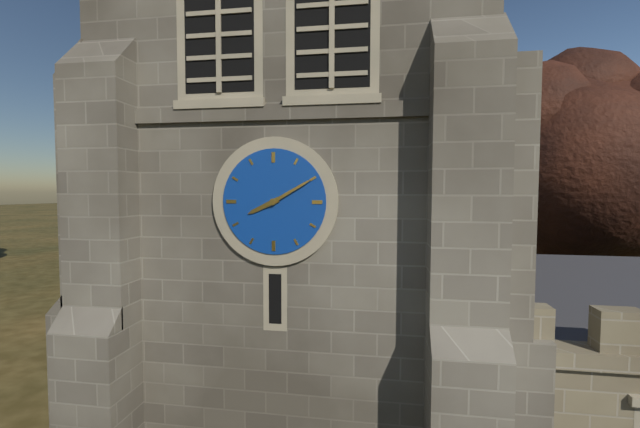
8h10
